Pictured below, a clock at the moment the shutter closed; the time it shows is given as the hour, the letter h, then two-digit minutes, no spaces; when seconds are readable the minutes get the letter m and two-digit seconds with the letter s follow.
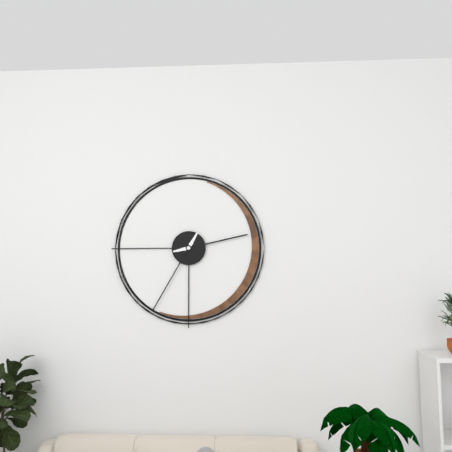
2h35
